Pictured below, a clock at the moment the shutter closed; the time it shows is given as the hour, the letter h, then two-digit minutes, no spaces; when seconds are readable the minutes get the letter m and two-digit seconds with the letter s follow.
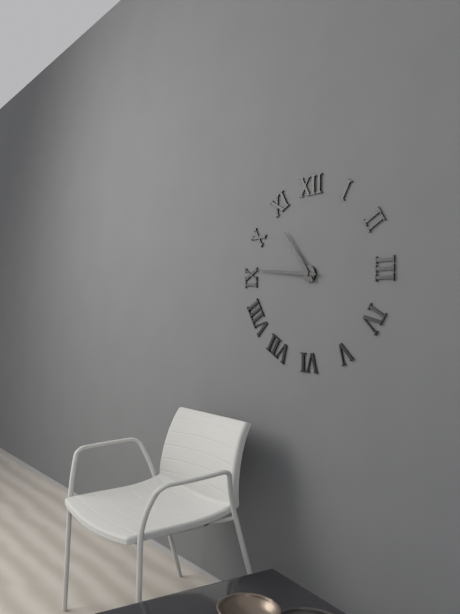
10h46
